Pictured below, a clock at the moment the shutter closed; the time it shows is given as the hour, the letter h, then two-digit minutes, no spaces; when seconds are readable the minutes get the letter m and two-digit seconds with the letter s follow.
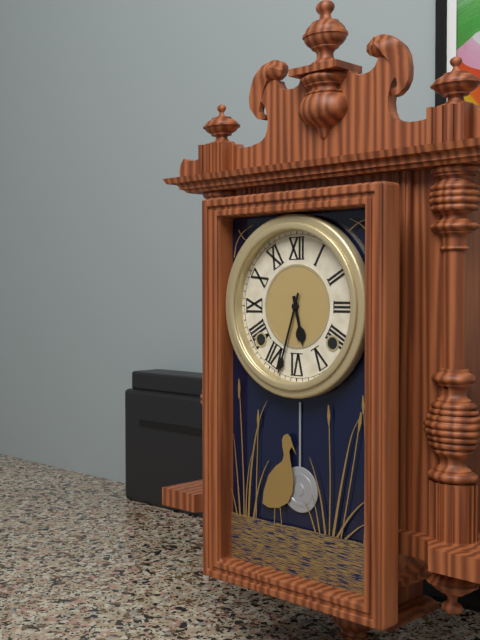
5h33
